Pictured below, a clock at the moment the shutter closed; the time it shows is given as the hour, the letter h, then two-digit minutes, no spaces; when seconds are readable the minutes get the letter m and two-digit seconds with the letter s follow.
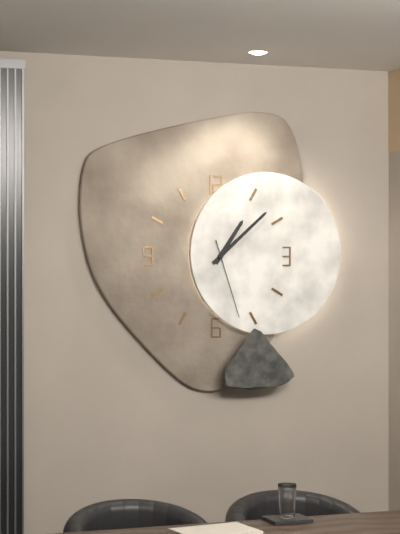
1h08m27s
